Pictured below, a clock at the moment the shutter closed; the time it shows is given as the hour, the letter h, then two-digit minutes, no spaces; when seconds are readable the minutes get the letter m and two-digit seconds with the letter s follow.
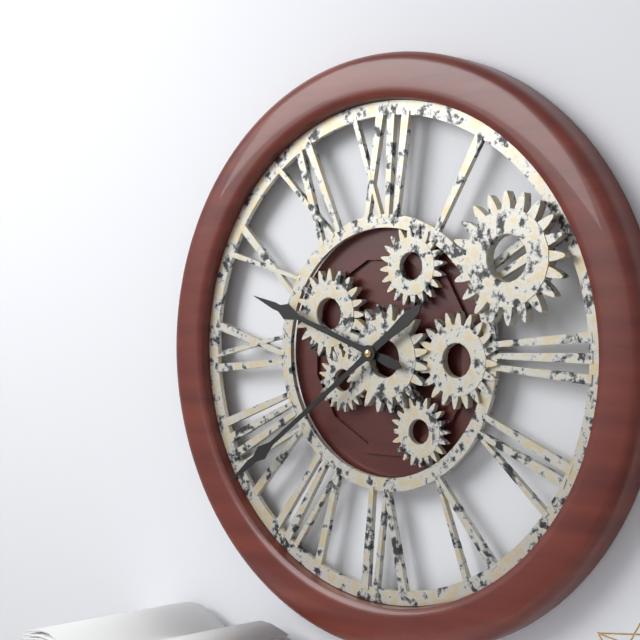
9h39
